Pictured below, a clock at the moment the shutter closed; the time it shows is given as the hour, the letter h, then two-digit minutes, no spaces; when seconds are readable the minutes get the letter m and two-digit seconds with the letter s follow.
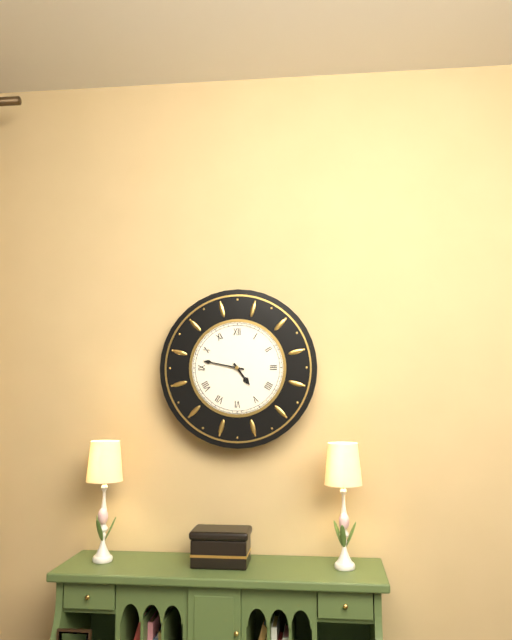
4h47
